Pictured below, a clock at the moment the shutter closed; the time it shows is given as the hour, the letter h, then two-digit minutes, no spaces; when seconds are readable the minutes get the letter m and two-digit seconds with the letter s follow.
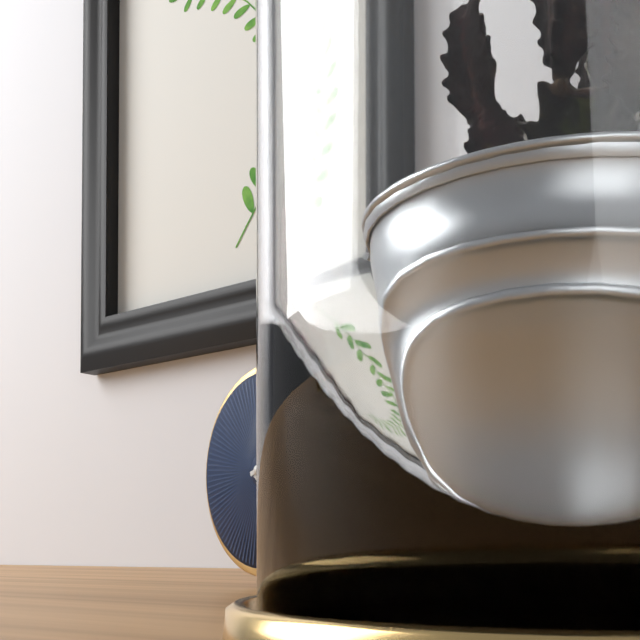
1h12
